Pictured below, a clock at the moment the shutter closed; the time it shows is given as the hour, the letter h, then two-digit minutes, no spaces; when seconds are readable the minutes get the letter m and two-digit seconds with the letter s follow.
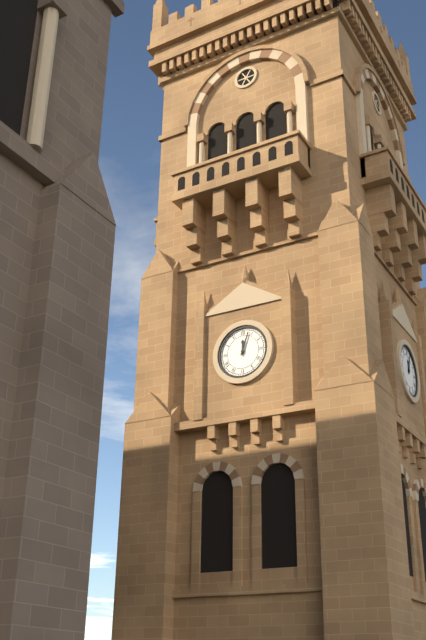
12h03
